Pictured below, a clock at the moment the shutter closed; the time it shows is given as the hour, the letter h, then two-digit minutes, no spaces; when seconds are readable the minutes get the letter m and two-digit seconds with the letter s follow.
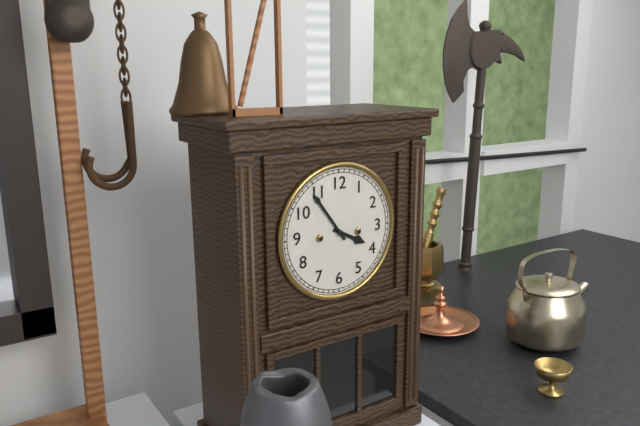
3h54
